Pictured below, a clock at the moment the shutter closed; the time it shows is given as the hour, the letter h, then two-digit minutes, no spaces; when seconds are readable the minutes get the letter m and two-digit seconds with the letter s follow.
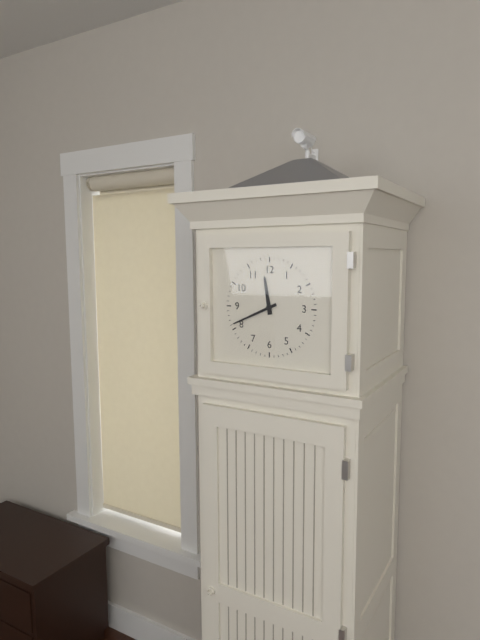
11h41
